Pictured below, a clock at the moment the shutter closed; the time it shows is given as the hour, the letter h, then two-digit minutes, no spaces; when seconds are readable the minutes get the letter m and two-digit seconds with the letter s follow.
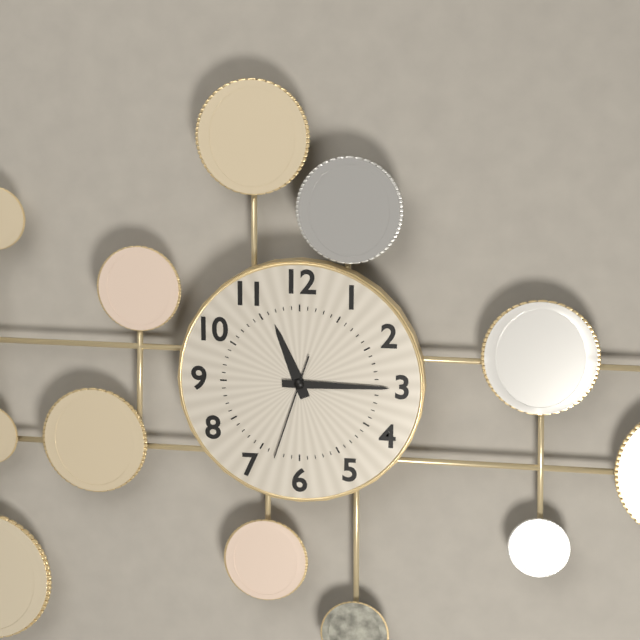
11h15m33s
